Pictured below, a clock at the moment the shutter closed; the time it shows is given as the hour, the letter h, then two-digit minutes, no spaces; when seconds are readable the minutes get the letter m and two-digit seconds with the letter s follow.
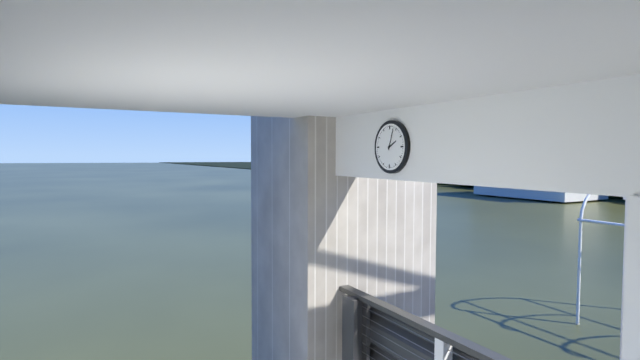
2h03
